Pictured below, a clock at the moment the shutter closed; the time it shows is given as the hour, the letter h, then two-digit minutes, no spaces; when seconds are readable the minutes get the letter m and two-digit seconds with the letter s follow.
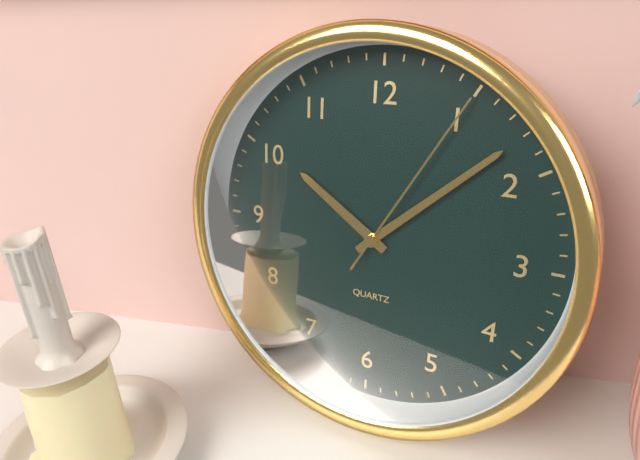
10h08m05s
